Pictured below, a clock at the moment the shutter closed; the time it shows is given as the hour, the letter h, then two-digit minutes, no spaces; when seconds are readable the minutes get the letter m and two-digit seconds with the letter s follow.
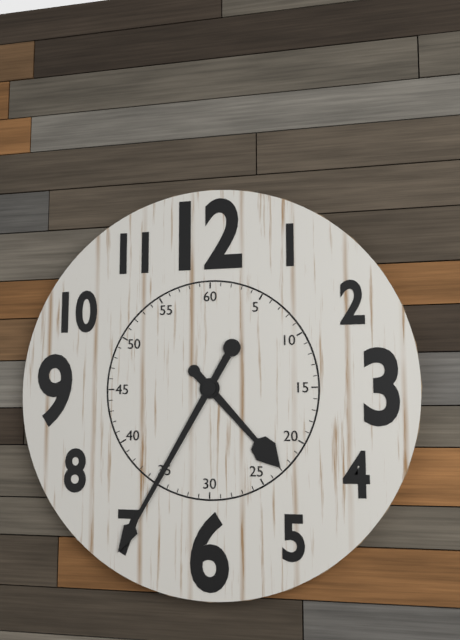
4h35
